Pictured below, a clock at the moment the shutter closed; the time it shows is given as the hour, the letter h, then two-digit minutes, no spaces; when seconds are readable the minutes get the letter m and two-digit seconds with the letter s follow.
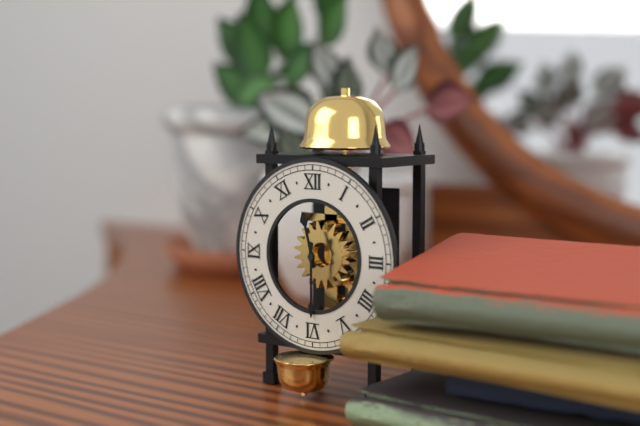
11h30
